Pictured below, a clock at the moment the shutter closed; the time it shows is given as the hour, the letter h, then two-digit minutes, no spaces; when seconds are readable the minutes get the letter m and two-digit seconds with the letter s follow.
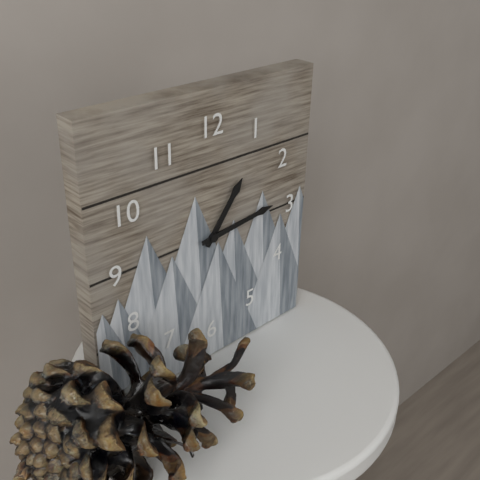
1h14
